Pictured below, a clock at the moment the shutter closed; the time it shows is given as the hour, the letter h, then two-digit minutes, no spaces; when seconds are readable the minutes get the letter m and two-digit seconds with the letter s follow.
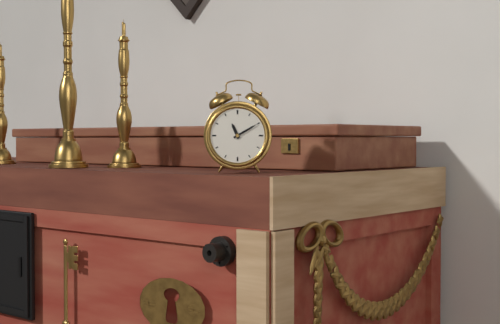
11h10
